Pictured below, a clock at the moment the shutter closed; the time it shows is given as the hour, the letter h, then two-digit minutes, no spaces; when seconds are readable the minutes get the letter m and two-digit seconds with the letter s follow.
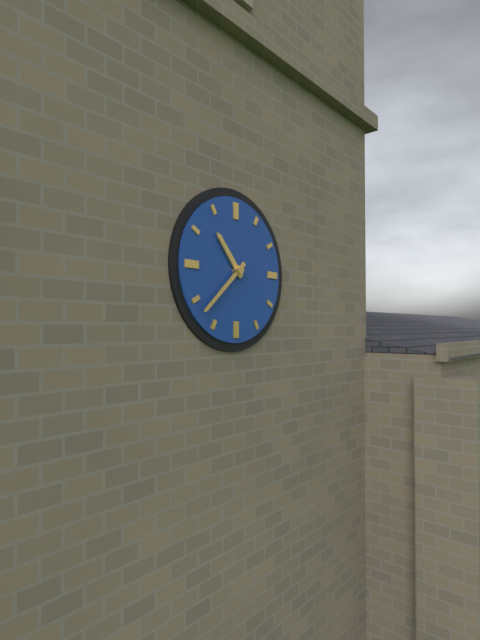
10h38
